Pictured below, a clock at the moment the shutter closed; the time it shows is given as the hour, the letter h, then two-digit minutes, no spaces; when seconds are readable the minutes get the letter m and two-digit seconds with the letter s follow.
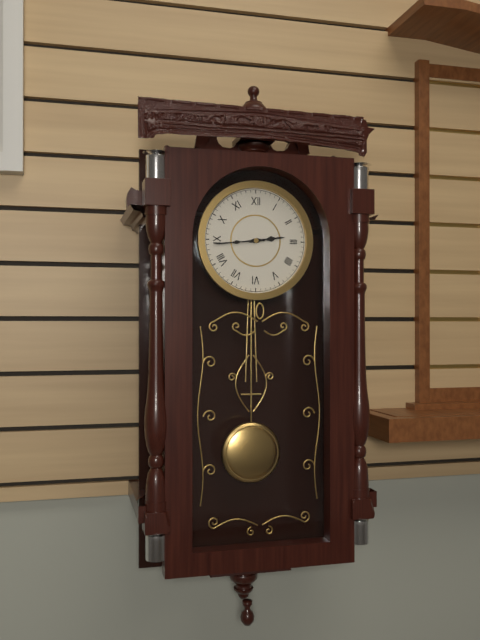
2h44
